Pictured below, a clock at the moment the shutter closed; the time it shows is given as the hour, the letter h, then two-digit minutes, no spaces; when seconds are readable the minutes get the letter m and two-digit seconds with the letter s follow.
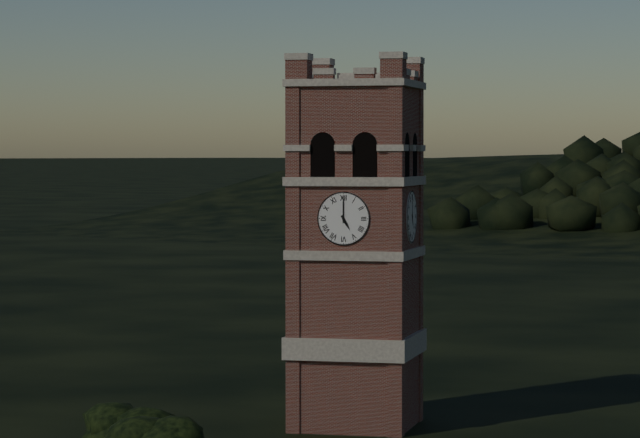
5h00
